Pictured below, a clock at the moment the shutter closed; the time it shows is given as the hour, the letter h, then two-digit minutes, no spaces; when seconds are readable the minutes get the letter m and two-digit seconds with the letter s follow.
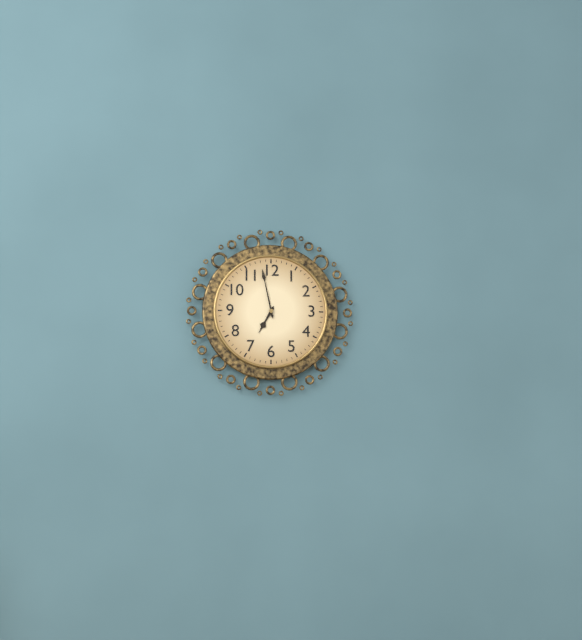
6h58
